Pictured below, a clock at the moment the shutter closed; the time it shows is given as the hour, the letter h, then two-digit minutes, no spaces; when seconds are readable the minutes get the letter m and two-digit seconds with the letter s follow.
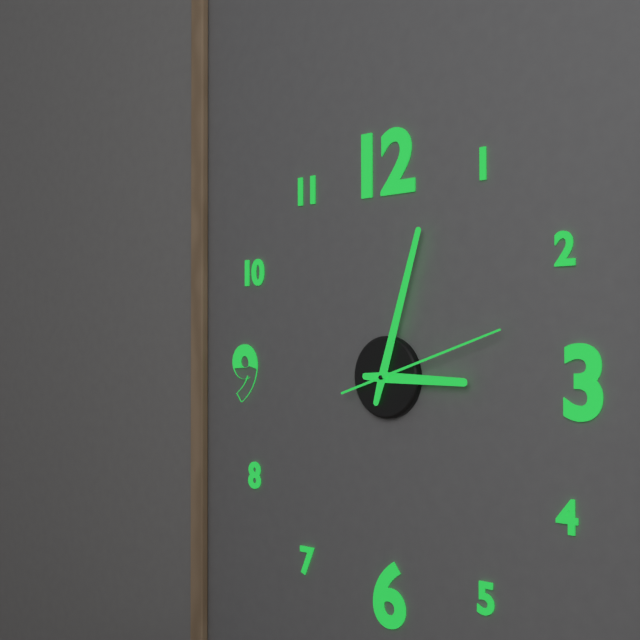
3h03m12s
